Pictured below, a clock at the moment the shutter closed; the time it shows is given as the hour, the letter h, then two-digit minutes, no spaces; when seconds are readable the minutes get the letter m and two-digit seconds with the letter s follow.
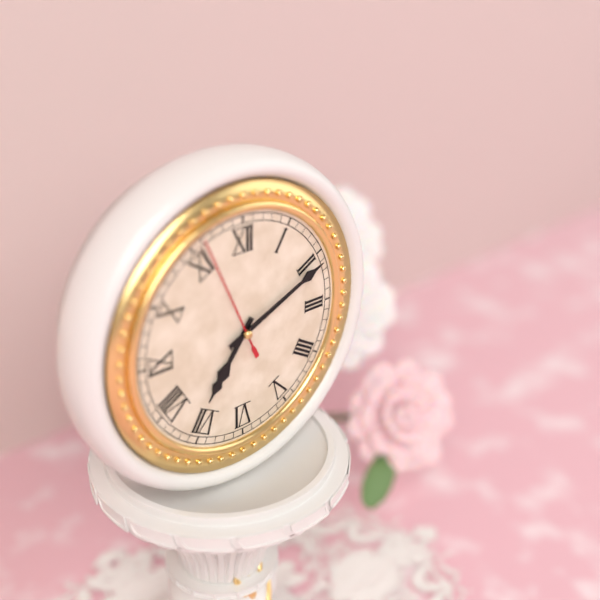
7h11m56s
